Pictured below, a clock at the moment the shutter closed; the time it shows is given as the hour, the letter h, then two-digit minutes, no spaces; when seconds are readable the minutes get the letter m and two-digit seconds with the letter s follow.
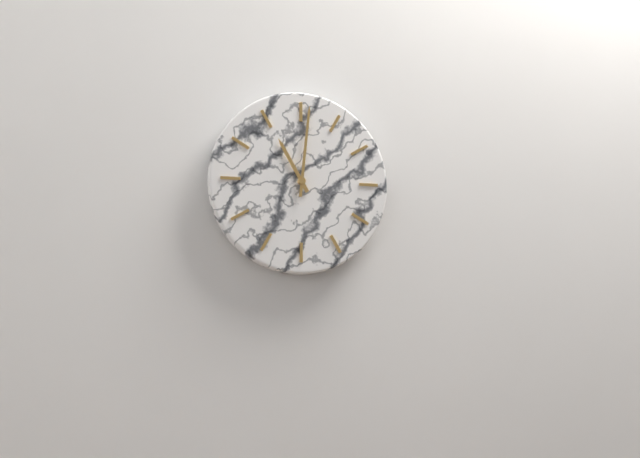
11h01
